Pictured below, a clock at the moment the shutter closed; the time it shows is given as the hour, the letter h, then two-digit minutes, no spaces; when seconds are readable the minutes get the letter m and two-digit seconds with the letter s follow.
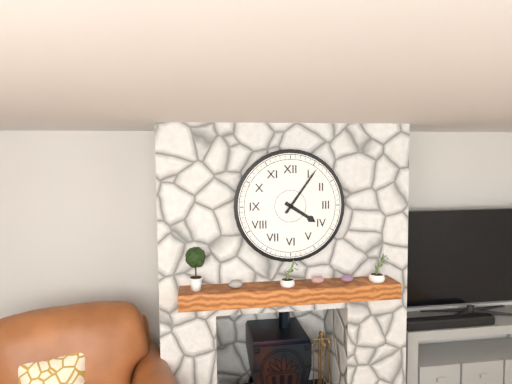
4h06
